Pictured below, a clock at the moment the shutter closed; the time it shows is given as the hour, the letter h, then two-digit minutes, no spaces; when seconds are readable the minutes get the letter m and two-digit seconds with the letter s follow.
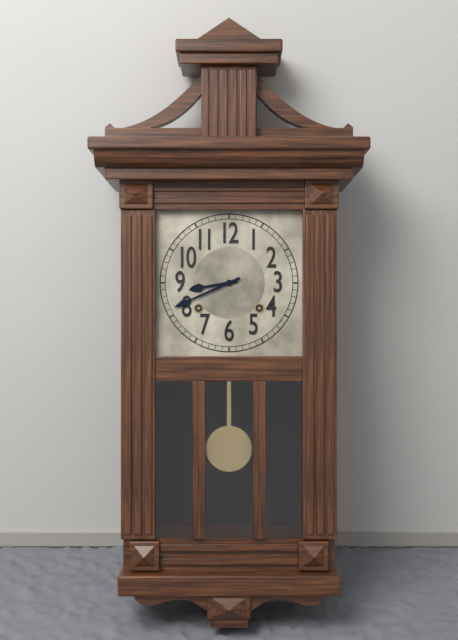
8h41
